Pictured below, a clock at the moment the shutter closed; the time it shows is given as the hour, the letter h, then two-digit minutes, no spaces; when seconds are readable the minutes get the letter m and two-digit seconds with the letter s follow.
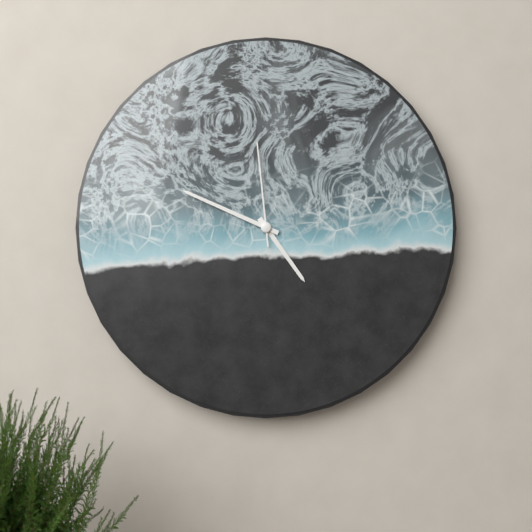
4h49m59s
